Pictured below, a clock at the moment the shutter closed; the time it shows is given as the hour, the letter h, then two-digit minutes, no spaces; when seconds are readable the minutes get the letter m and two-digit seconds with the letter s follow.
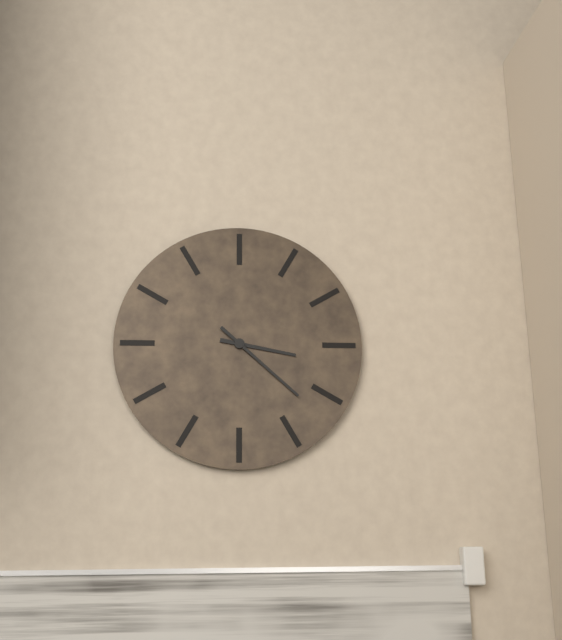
3h22
